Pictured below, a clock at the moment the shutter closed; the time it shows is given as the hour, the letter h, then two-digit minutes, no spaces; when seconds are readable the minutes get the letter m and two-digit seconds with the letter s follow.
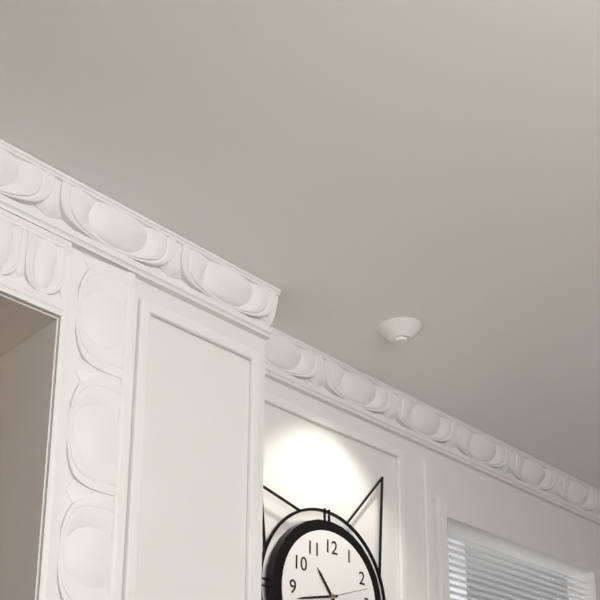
10h43m12s
